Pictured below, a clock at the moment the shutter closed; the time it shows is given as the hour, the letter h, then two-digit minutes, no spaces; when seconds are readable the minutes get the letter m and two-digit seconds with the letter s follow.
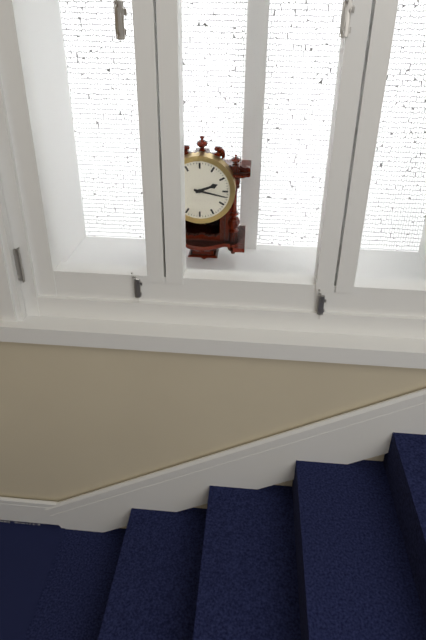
2h17
